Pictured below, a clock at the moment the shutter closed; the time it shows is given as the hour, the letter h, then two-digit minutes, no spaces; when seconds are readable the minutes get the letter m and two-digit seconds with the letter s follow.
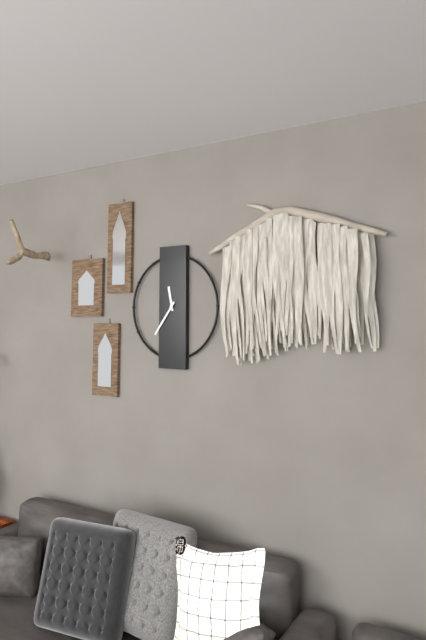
11h36
